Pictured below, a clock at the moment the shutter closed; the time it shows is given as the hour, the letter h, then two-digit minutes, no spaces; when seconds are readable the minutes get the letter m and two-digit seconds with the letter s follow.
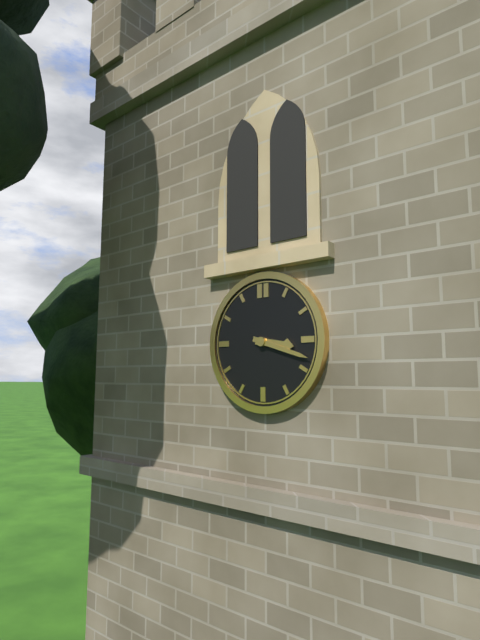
3h18
